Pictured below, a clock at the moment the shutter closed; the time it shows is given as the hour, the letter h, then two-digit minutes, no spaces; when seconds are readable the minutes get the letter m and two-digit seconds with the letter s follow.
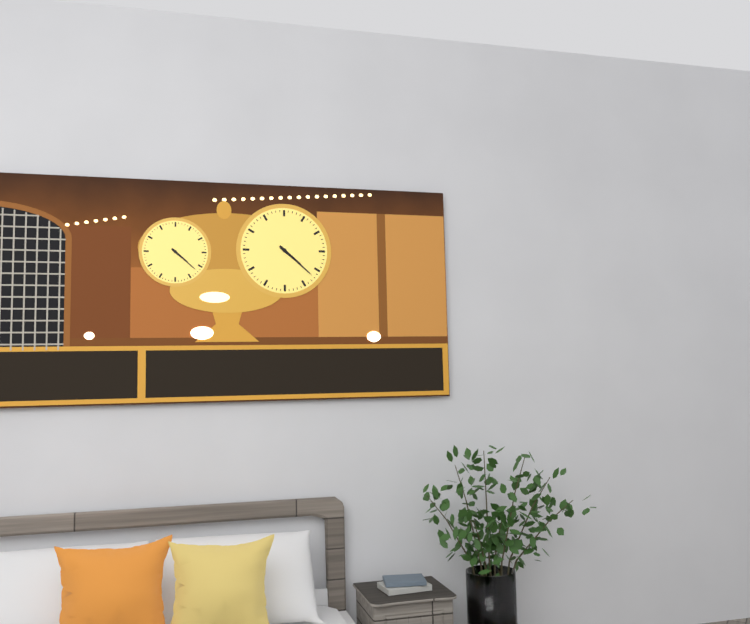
4h22
